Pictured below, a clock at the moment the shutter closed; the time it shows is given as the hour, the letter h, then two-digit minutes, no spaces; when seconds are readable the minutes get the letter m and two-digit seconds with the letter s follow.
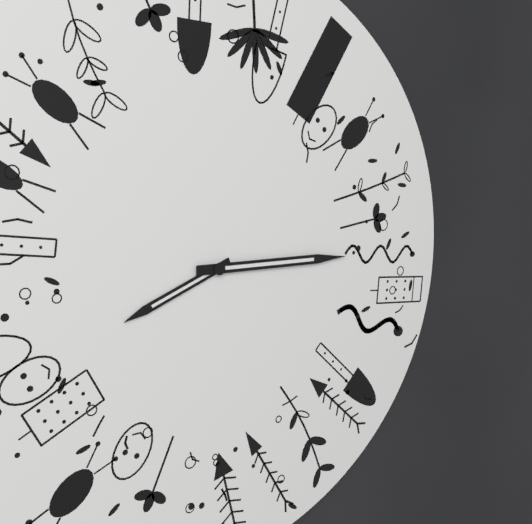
8h15
